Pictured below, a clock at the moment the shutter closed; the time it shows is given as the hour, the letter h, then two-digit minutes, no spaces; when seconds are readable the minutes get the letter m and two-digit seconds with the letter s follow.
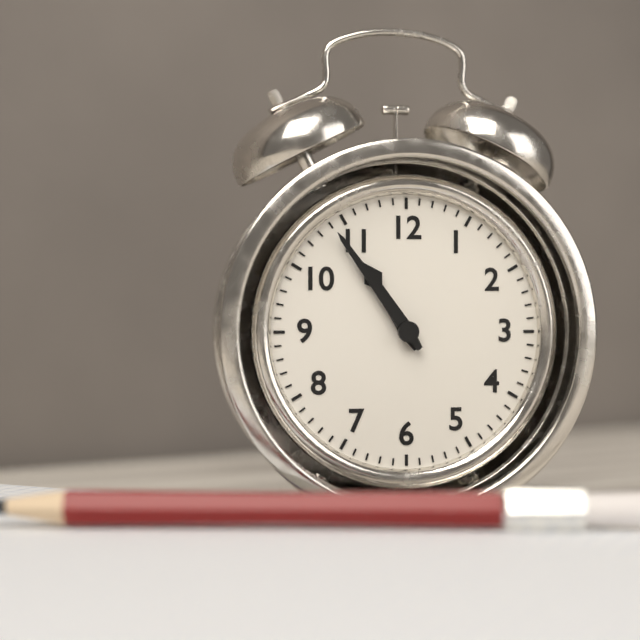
10h54
